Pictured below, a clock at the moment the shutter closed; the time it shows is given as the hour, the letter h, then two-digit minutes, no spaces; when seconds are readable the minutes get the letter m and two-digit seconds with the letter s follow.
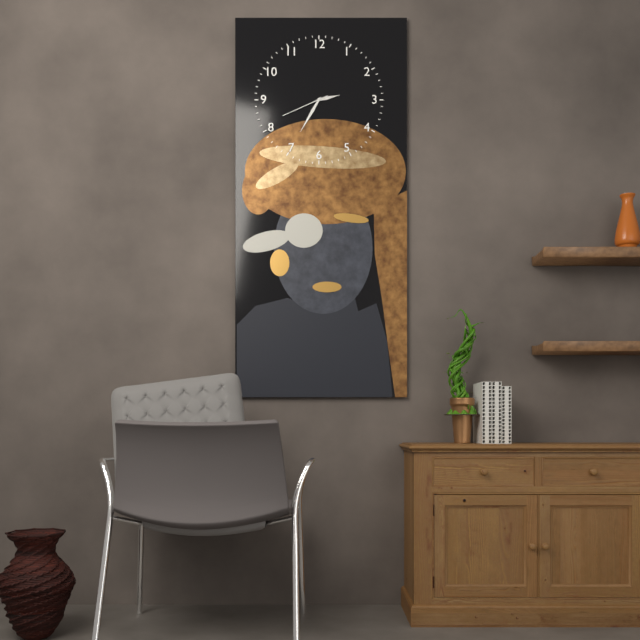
2h35
